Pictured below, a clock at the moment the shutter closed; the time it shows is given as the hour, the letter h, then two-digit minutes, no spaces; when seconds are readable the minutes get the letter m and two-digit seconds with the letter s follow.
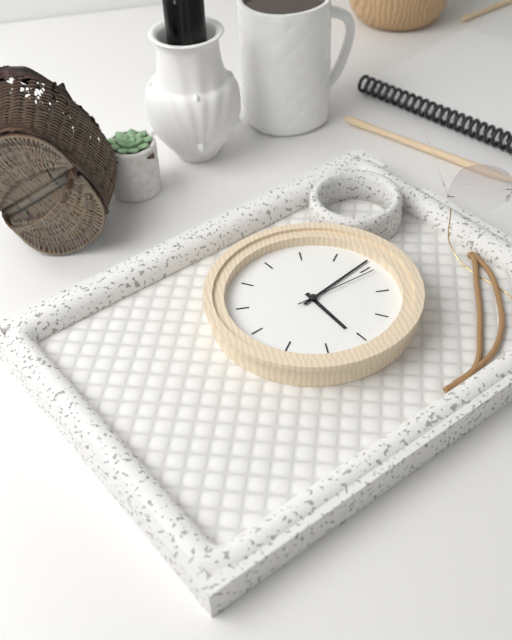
5h09m11s
